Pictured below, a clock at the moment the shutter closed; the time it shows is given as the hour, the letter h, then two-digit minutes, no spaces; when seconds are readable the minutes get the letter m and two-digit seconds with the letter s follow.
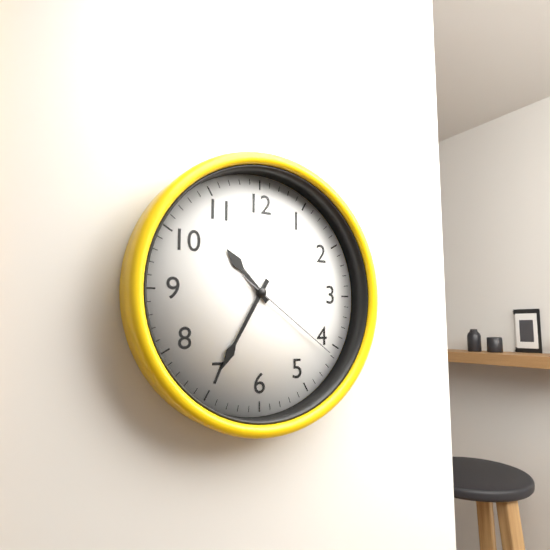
10h35m21s
